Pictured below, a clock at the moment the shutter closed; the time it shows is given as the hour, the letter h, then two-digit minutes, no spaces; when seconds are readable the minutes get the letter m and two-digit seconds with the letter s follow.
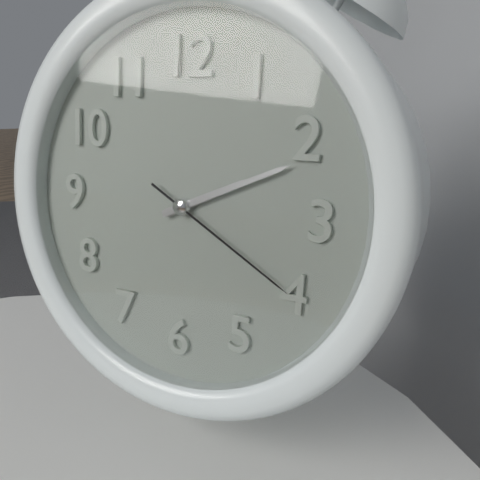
2h11m20s
